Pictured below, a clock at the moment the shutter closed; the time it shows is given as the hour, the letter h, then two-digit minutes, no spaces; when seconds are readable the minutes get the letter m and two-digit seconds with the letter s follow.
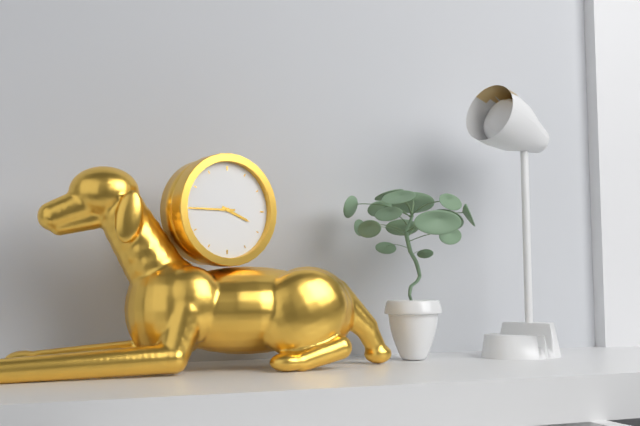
3h45
